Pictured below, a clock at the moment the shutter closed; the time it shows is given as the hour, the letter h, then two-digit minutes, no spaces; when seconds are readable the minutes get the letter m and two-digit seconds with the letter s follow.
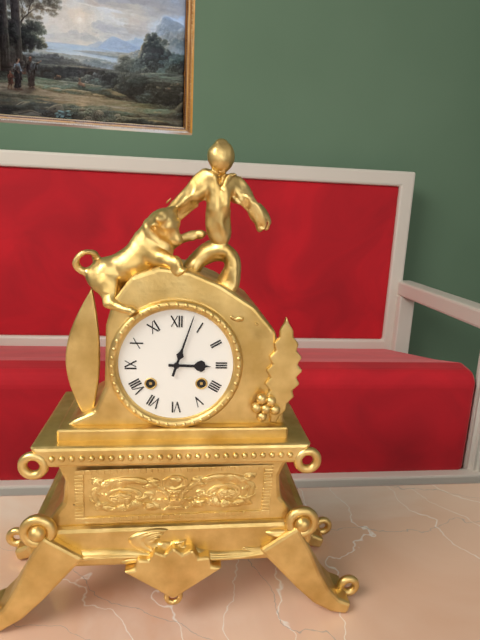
3h03
